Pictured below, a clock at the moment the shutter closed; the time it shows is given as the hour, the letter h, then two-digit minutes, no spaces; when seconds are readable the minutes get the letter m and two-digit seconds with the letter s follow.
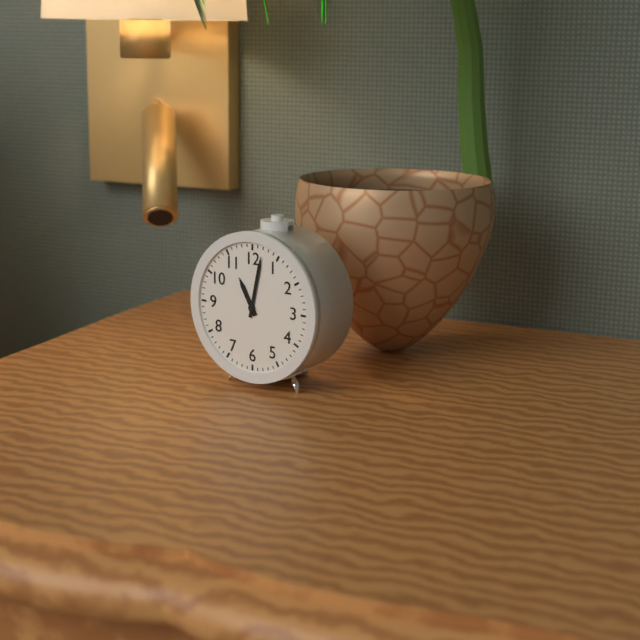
11h02
